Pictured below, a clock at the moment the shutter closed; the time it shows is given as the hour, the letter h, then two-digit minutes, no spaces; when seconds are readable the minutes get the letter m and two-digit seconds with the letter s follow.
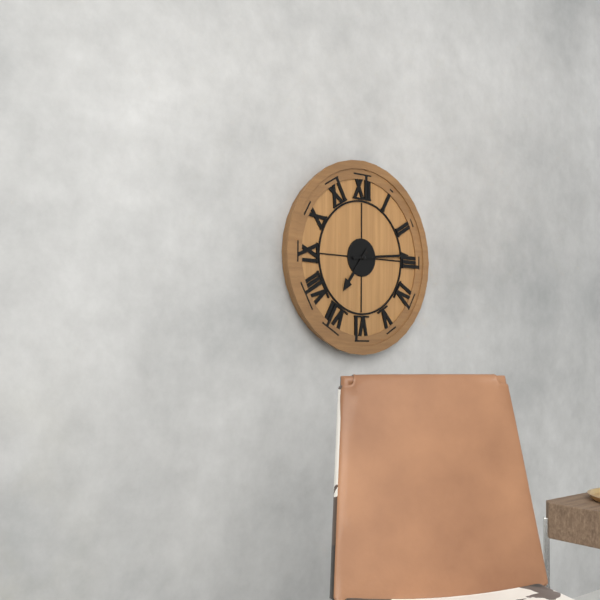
7h14
